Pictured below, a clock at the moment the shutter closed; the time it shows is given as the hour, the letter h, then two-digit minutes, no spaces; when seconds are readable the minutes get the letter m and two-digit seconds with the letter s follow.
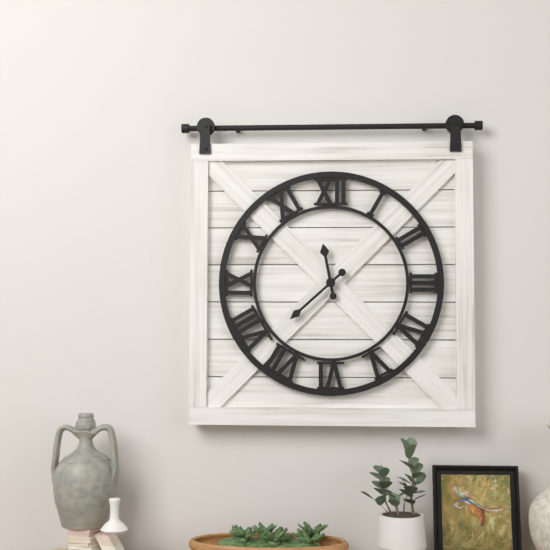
11h38
